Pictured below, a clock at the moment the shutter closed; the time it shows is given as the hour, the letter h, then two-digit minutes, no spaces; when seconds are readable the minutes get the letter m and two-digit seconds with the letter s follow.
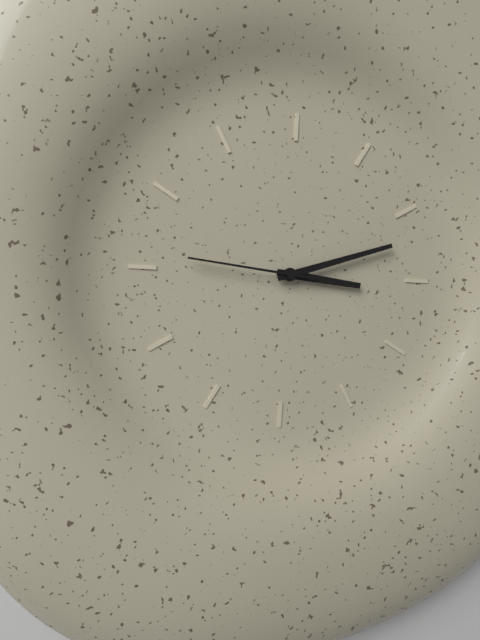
3h12m46s
